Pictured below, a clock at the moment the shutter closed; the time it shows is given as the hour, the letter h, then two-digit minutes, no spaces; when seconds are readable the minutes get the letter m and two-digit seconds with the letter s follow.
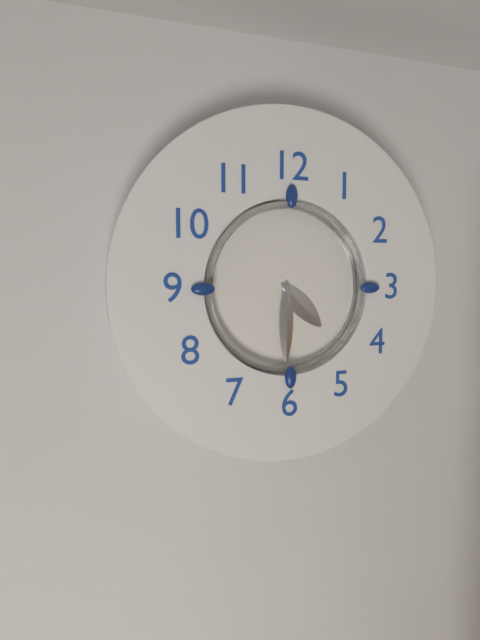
4h30
